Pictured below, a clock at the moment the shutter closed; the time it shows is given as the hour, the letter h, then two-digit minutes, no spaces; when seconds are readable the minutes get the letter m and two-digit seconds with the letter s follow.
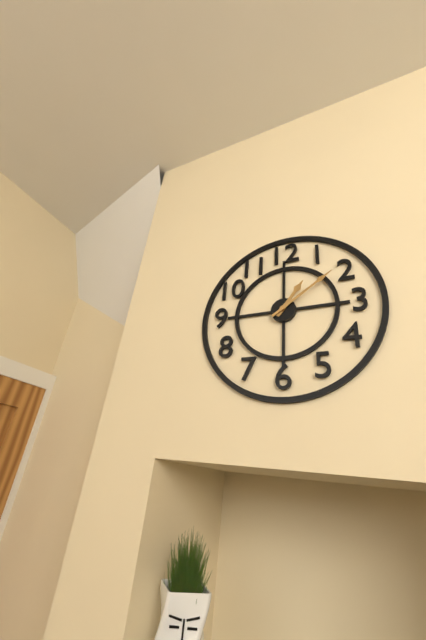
1h09
